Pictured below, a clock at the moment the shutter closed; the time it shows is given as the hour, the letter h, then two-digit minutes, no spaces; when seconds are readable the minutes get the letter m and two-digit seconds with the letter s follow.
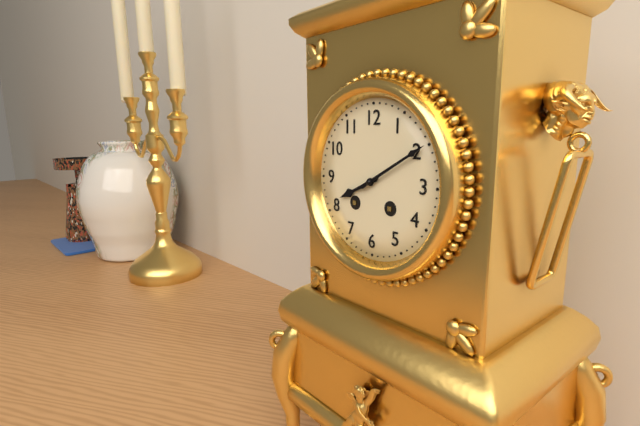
8h10
